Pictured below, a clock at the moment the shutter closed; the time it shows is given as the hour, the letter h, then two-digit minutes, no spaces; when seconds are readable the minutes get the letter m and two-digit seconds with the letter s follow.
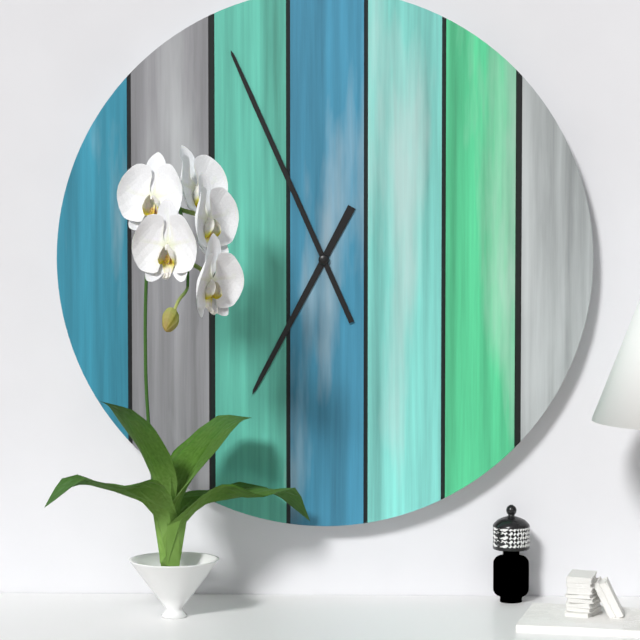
6h56
